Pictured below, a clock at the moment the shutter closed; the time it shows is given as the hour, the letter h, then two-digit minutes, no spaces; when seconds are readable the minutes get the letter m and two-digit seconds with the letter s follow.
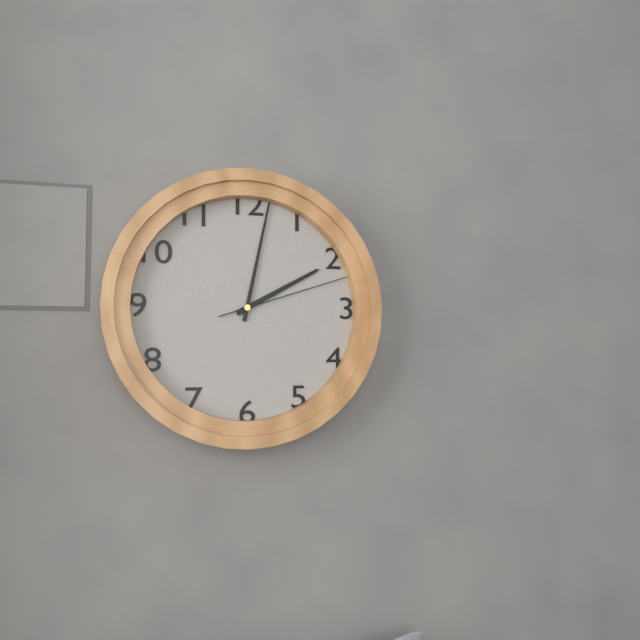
2h02m12s
